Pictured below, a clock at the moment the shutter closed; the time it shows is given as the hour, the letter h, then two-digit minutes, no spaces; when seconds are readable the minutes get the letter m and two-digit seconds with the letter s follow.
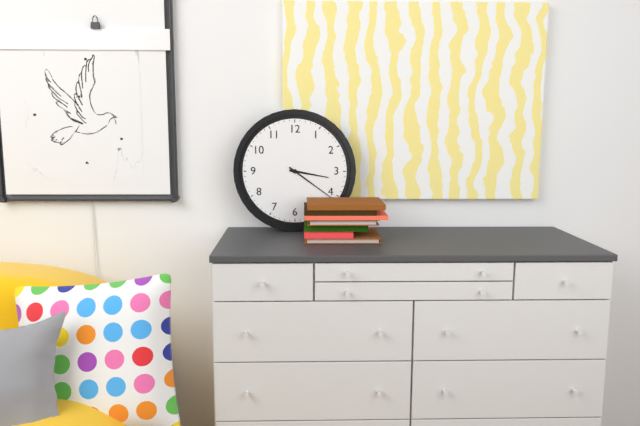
3h21
